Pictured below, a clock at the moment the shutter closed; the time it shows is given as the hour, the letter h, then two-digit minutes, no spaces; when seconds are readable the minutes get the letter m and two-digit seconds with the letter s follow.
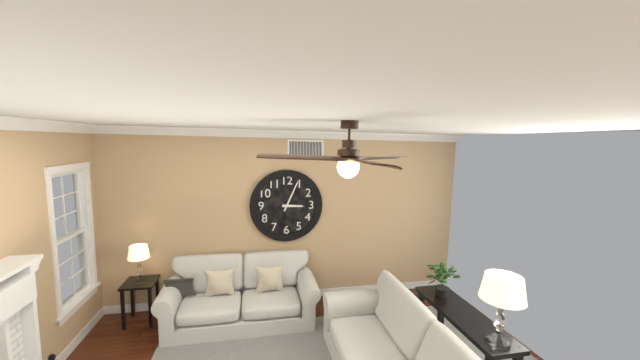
3h04
